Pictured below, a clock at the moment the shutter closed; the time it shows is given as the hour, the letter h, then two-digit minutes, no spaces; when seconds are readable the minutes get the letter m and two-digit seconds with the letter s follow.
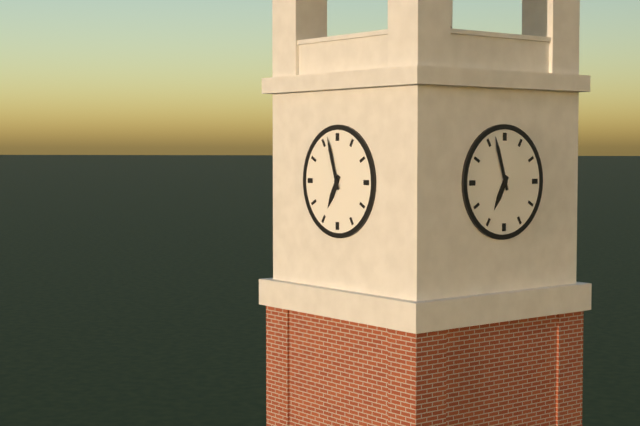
6h57
